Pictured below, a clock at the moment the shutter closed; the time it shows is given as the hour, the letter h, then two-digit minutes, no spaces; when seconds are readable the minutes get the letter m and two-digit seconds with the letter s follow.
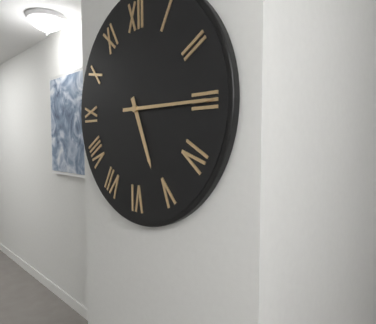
5h15
